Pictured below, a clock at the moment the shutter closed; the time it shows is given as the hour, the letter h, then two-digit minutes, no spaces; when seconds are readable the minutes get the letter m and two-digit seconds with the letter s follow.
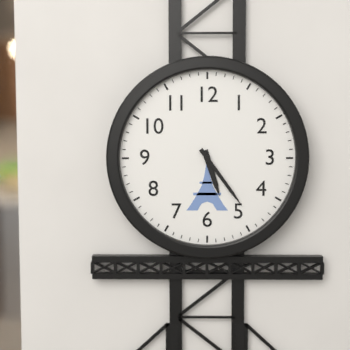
5h24
